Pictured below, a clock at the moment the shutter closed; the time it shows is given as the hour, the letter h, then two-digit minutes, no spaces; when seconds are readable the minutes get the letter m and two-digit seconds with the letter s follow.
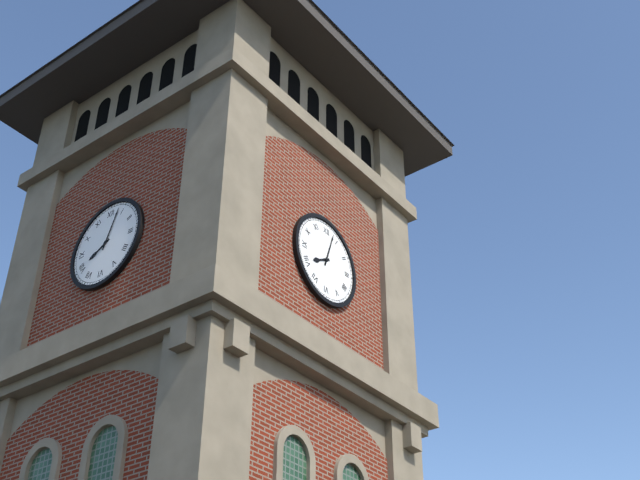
8h03
